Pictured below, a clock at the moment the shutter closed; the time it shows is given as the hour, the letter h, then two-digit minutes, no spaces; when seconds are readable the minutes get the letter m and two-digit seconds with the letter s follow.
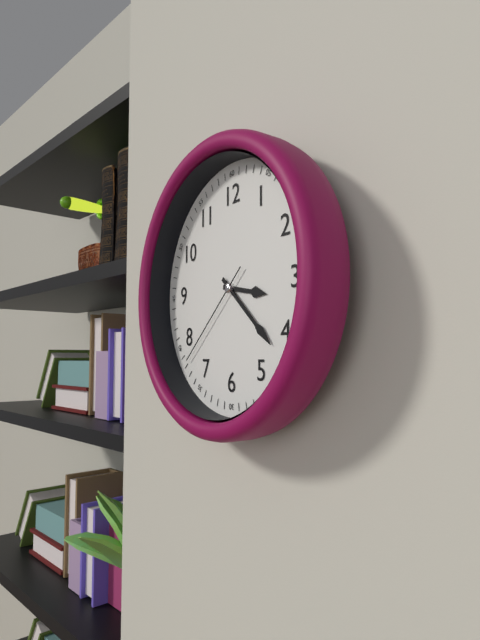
3h22m38s
